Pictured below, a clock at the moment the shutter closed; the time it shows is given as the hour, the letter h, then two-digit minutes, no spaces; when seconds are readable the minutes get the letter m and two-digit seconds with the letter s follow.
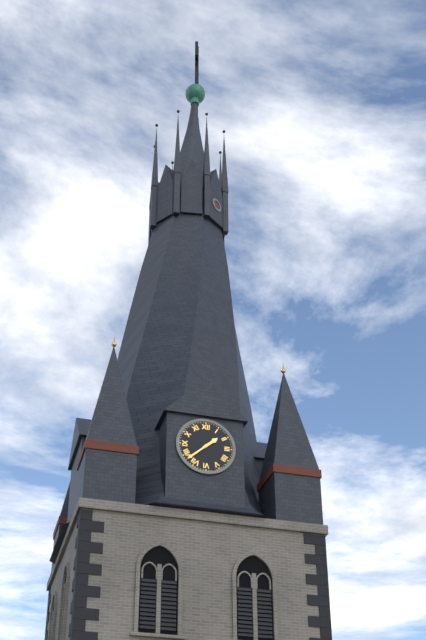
1h38
